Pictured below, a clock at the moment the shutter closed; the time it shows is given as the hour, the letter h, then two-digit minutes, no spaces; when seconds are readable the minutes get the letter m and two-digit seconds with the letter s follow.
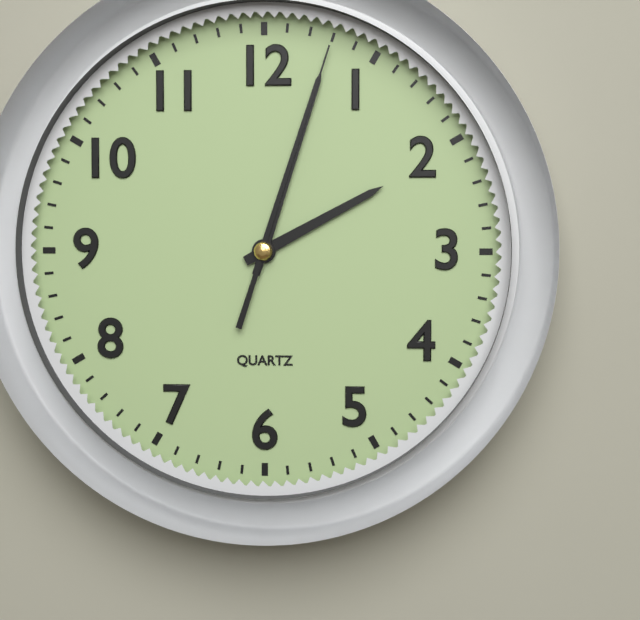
2h03m03s
